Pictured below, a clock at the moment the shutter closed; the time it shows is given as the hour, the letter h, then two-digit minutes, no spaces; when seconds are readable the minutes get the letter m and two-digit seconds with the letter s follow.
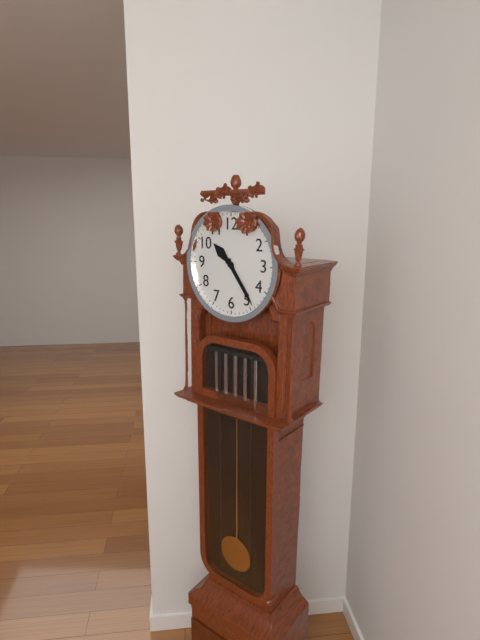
10h24
